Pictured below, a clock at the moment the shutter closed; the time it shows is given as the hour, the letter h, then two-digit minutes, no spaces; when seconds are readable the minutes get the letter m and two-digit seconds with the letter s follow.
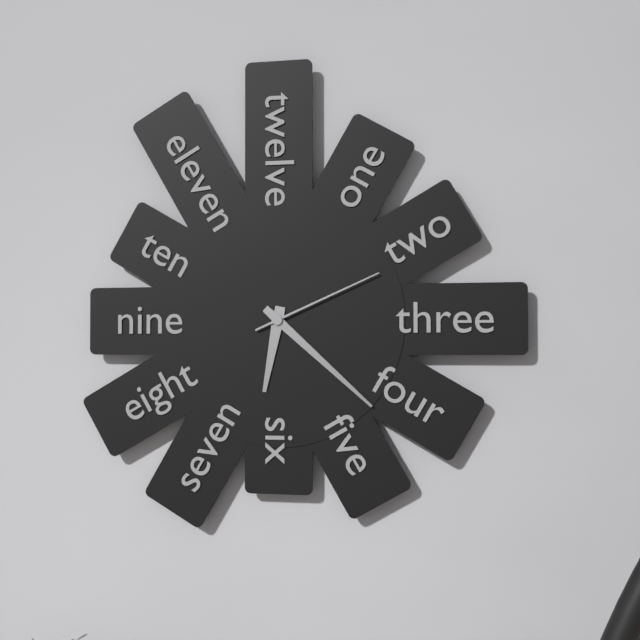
6h22m11s
